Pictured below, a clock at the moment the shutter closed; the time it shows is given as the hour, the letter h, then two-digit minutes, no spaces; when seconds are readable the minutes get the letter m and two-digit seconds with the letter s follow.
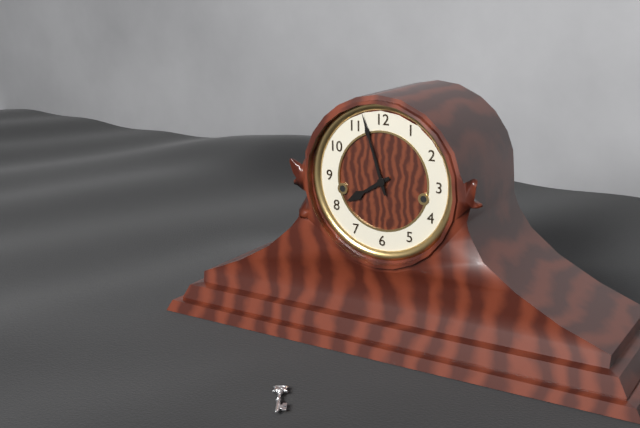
7h57
